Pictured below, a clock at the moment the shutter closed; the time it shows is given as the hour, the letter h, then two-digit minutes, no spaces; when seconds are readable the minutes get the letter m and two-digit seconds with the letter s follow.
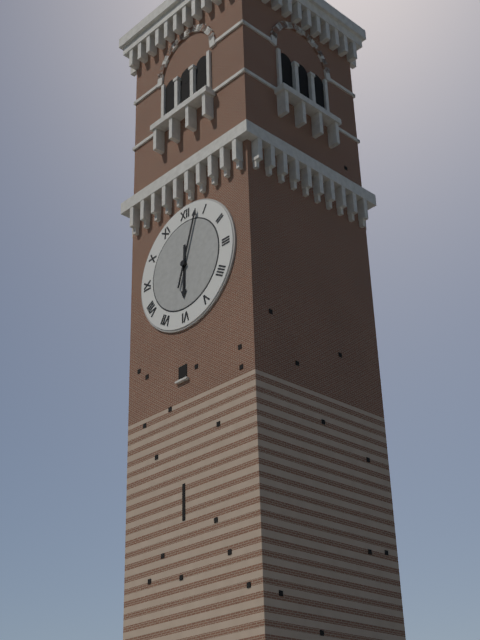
6h03
